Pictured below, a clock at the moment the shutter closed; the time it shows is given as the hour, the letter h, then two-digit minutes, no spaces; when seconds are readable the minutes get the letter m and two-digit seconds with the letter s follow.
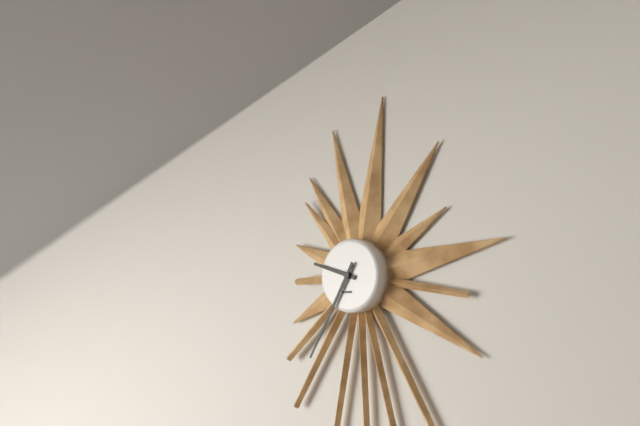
9h35
